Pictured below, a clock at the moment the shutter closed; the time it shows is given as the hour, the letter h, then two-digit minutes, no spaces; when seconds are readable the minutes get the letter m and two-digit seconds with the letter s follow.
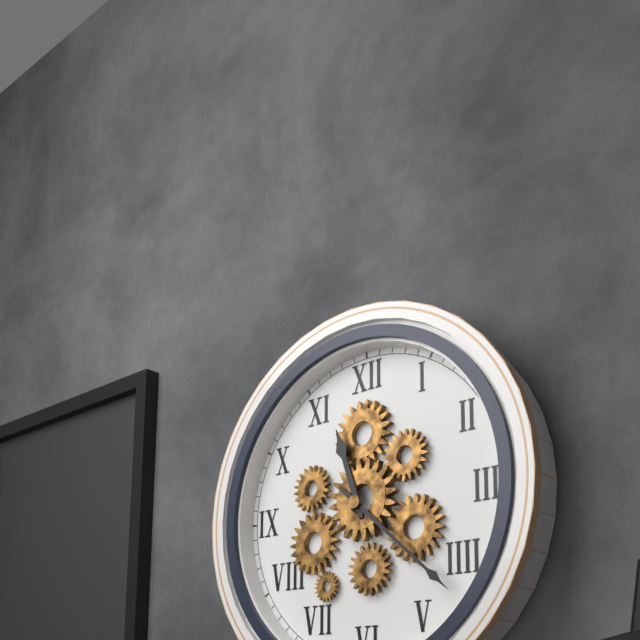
11h22
